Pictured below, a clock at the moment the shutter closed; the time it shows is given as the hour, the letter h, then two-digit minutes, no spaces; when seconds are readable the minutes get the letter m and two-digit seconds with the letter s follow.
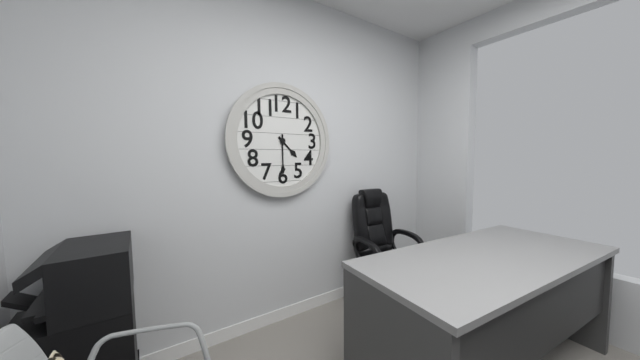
4h30
